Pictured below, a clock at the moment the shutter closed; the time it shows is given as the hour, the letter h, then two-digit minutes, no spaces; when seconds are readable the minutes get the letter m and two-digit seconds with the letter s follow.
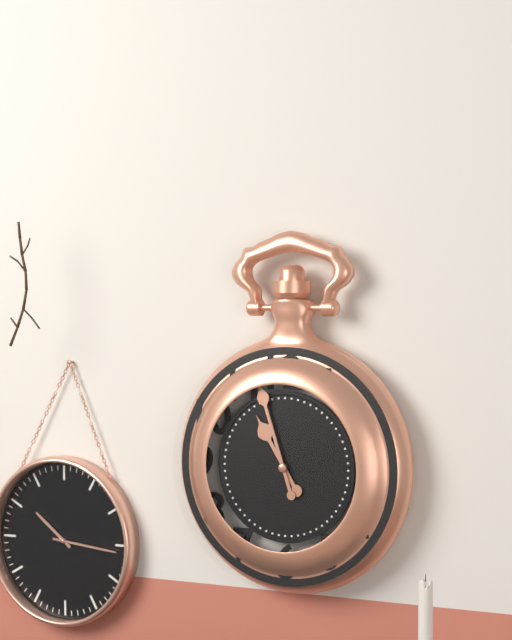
10h57
